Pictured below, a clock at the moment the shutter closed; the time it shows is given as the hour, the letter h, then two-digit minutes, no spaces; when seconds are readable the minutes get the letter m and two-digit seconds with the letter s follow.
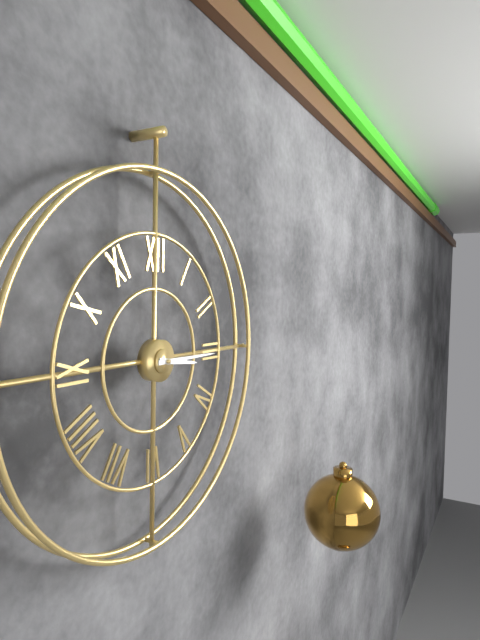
3h15
